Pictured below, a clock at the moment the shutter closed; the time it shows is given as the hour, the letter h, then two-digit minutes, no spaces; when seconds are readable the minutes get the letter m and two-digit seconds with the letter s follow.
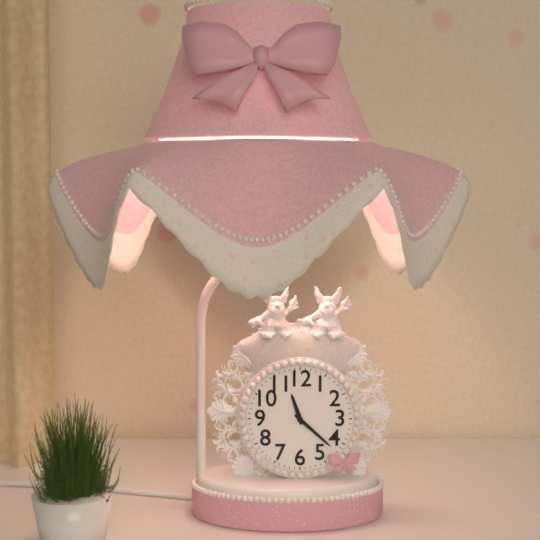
11h22
